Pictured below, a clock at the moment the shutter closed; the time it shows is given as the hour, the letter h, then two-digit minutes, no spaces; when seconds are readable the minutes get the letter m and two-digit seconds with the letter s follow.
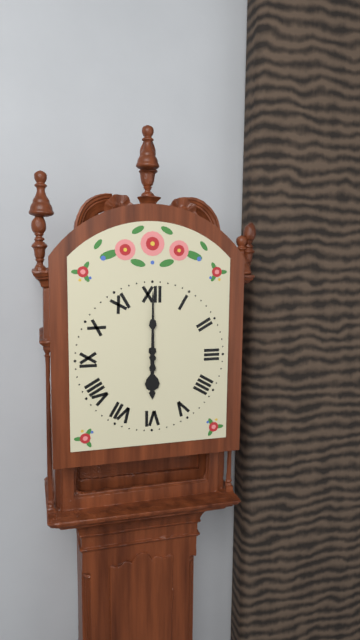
6h00
